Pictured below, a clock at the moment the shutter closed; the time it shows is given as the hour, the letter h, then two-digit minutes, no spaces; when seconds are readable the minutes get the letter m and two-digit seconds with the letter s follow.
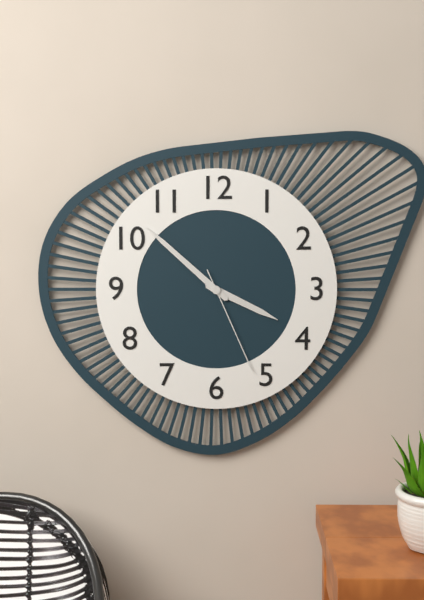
3h52m26s
